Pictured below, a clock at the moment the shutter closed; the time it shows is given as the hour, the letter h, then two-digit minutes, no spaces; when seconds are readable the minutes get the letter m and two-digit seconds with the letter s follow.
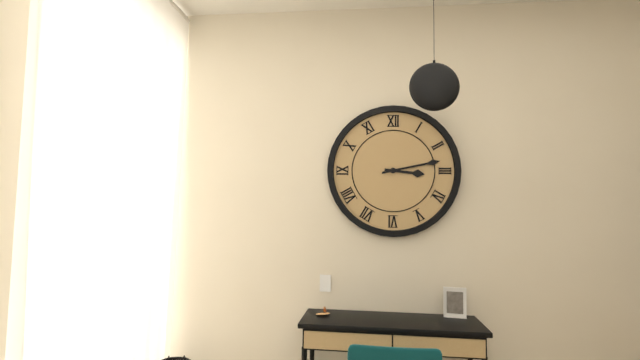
3h13
